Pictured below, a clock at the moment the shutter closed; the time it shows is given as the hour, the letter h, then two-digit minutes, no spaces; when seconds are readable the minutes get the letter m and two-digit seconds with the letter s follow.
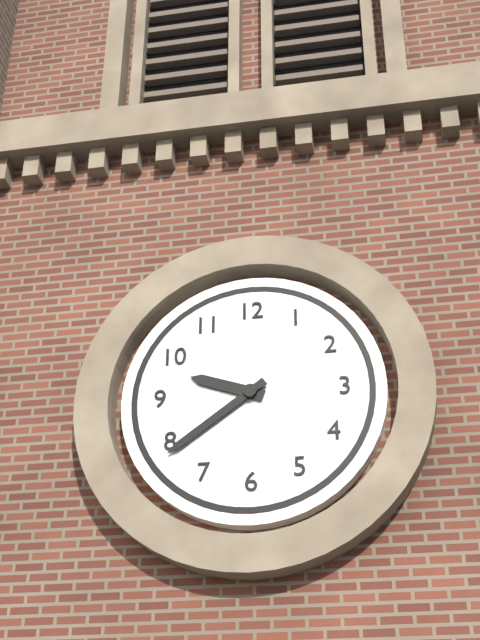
9h39
